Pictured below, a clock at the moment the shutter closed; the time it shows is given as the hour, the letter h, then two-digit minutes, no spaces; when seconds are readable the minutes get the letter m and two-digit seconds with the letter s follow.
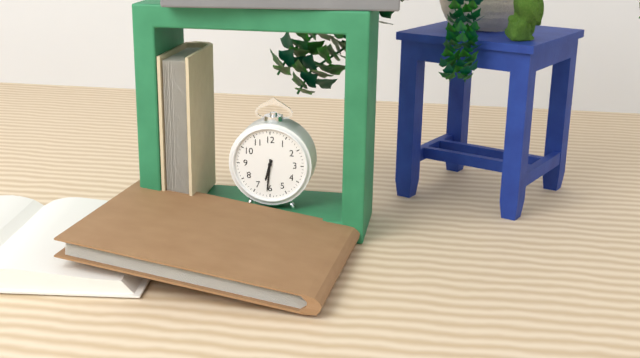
6h31
